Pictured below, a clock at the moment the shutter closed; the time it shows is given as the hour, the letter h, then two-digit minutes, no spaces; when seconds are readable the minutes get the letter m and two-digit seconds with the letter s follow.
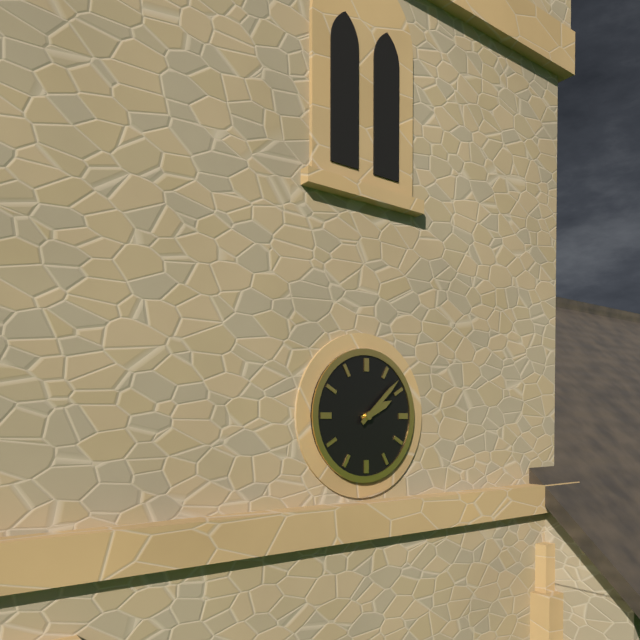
2h08
